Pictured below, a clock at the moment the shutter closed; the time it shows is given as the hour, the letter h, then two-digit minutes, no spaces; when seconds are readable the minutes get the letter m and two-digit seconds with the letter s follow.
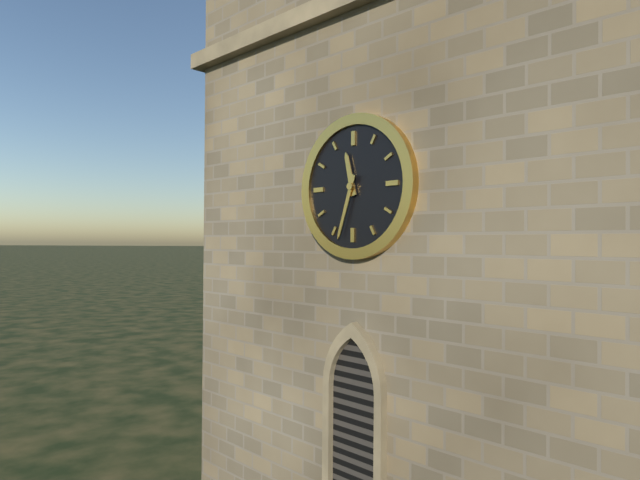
11h33
